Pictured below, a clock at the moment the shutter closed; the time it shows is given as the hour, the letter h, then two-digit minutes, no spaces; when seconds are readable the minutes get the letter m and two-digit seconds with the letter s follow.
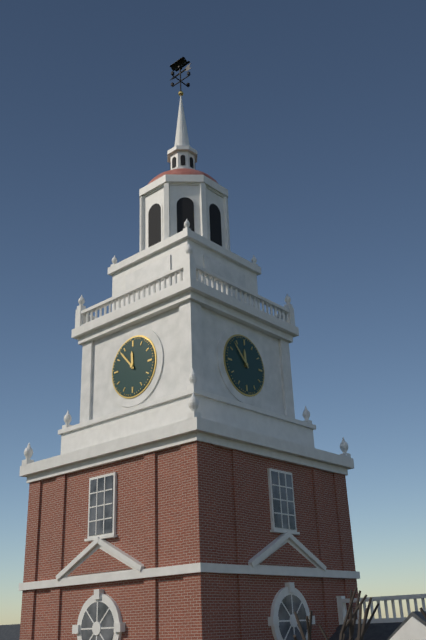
11h53
